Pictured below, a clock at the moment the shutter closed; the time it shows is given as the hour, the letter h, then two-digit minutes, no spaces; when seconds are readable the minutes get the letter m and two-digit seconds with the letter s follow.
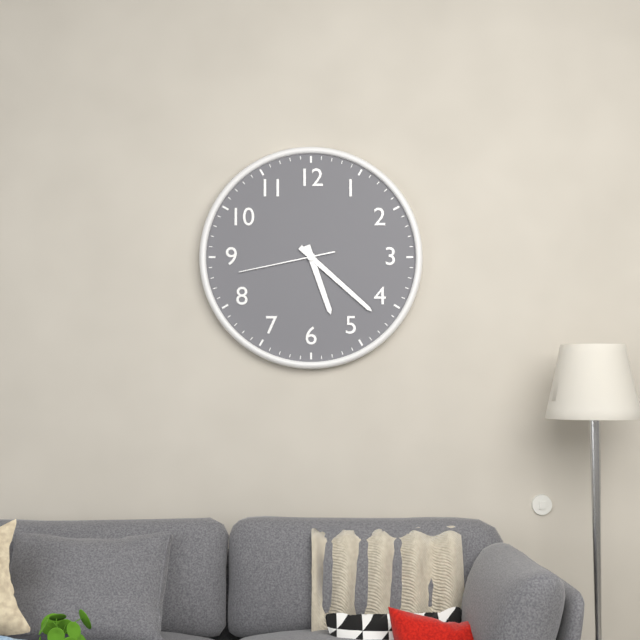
5h22m43s
